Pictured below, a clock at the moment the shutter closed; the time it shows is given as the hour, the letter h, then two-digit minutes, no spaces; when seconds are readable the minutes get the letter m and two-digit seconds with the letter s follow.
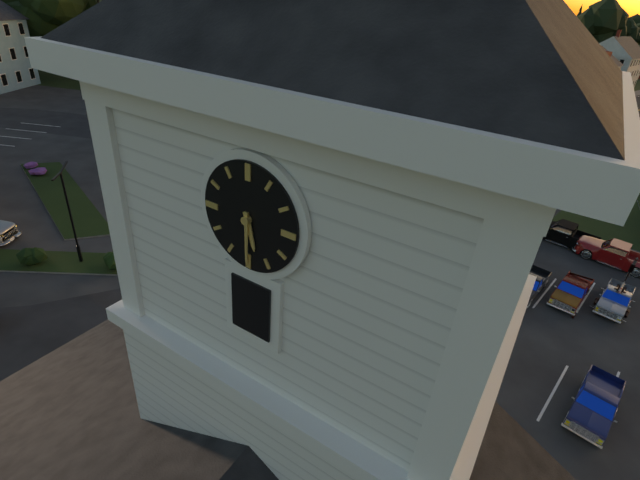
5h30
